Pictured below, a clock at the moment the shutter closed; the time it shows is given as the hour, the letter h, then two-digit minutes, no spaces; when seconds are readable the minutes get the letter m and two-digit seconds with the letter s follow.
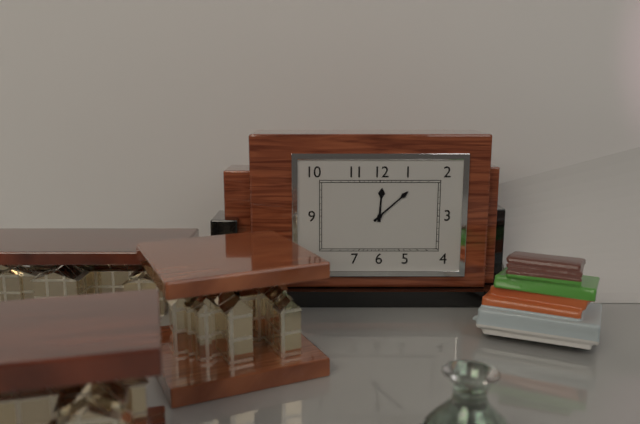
12h08
